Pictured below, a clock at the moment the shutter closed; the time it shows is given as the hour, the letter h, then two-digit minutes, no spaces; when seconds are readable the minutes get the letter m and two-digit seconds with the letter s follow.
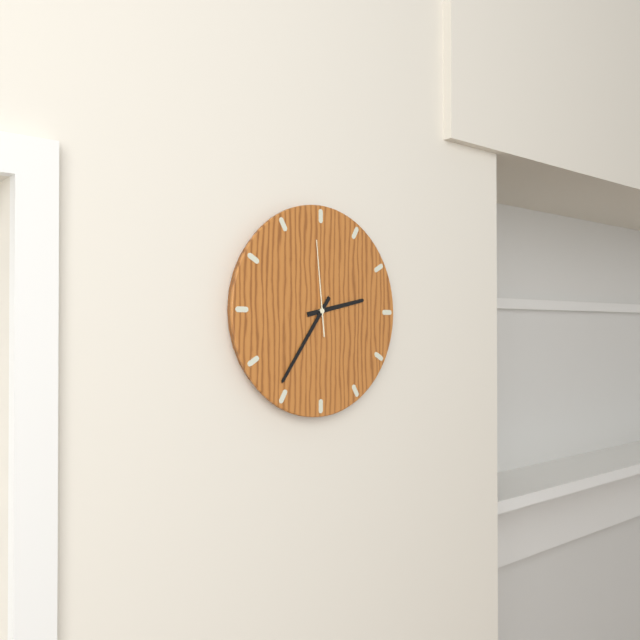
2h36m59s
